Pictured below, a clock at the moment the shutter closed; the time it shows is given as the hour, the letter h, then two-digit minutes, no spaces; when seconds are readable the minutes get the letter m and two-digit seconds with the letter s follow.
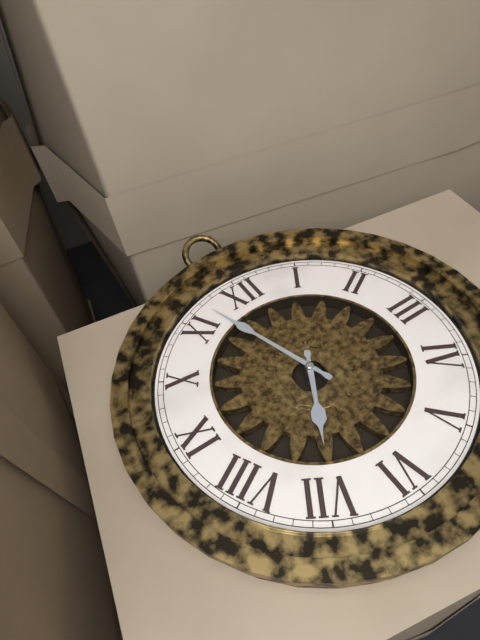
6h57
